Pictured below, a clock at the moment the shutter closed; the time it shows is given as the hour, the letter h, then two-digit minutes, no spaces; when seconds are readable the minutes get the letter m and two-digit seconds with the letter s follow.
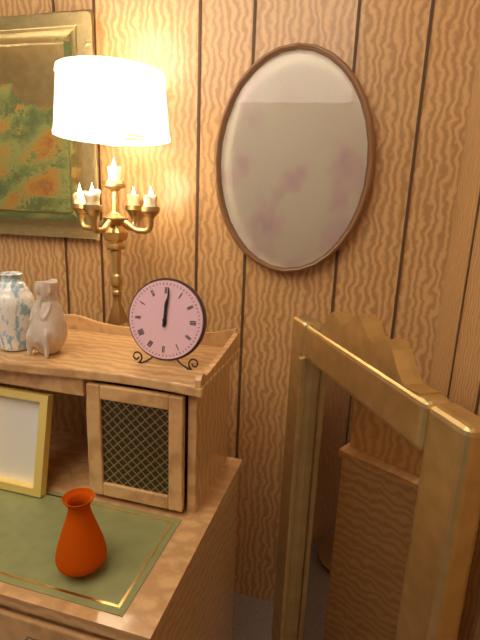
12h01
